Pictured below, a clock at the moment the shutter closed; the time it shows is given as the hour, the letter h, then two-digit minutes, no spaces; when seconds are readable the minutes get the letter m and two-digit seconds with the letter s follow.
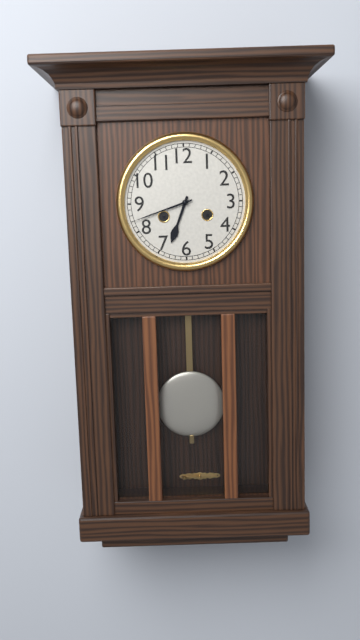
6h42
